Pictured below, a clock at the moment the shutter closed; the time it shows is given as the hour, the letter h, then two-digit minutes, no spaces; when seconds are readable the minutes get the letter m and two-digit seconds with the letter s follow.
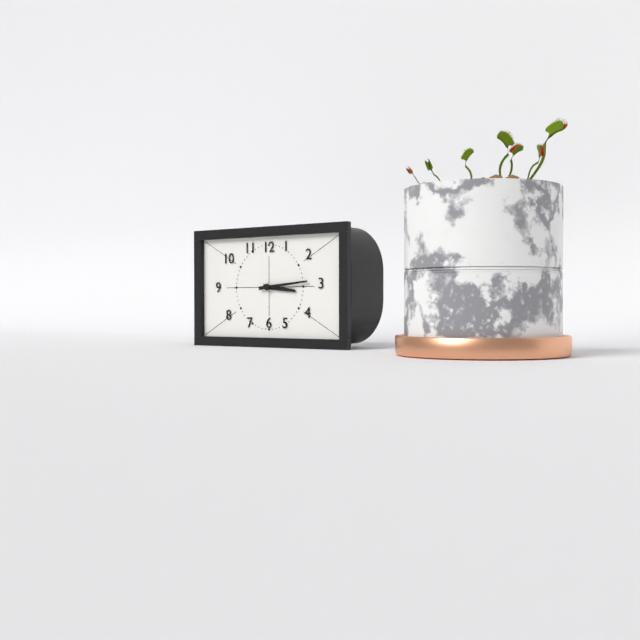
3h14
